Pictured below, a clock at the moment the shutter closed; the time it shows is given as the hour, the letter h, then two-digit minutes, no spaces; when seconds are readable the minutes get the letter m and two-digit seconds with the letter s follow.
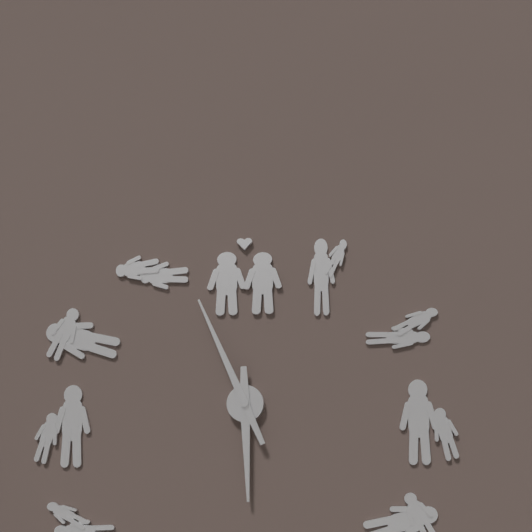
5h56
